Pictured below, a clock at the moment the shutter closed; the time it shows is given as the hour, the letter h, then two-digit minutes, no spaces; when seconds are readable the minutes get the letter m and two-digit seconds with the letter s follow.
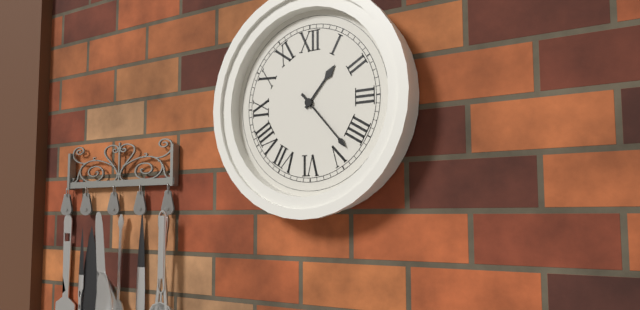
1h23
